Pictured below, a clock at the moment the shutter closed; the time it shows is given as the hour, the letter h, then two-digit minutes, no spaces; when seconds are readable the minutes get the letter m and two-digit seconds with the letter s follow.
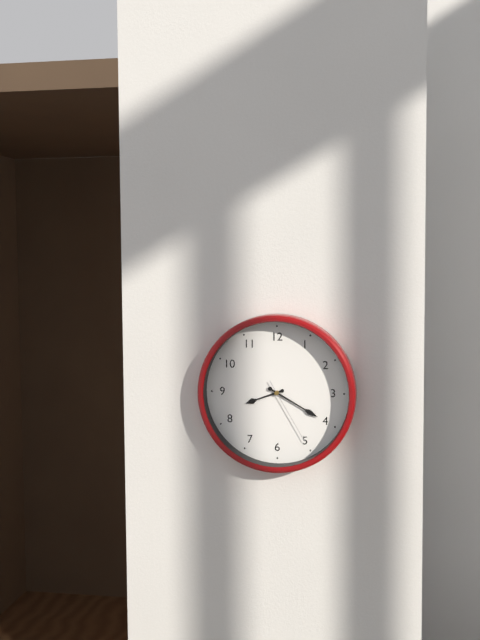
8h20m25s
